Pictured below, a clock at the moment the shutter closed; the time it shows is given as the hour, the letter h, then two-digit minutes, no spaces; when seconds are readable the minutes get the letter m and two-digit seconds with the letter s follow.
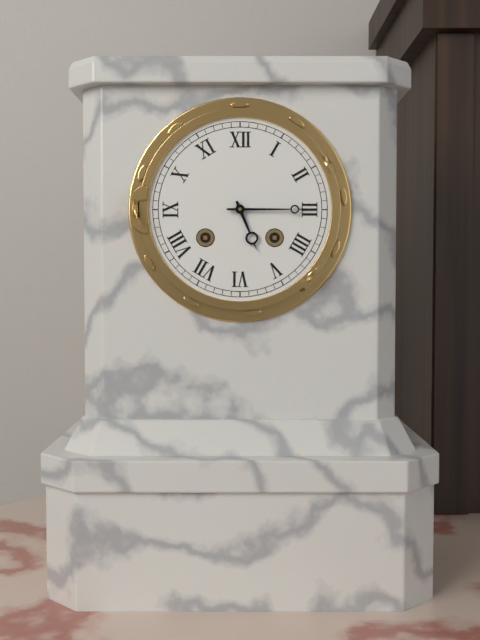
5h15
